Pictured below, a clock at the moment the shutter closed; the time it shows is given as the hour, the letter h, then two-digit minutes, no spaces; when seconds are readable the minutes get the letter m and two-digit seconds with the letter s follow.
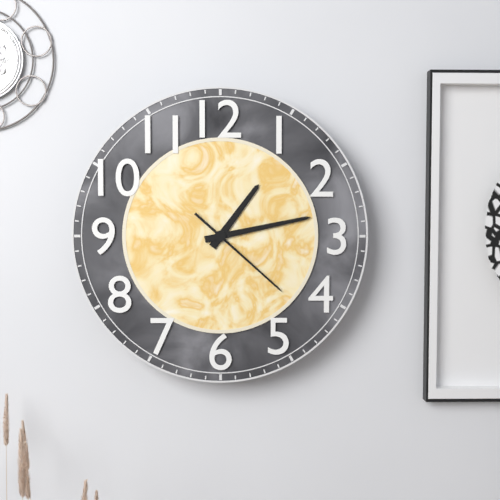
1h13m22s
